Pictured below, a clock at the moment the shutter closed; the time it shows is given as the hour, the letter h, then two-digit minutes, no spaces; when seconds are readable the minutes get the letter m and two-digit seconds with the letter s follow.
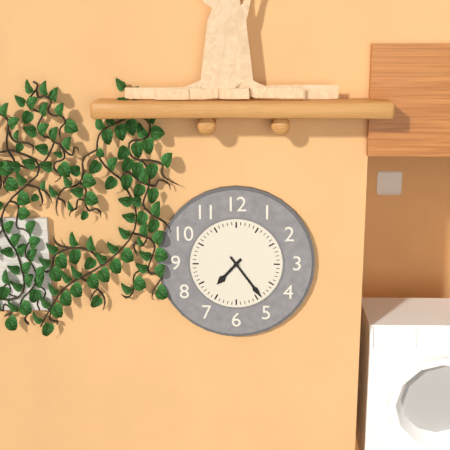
7h24
